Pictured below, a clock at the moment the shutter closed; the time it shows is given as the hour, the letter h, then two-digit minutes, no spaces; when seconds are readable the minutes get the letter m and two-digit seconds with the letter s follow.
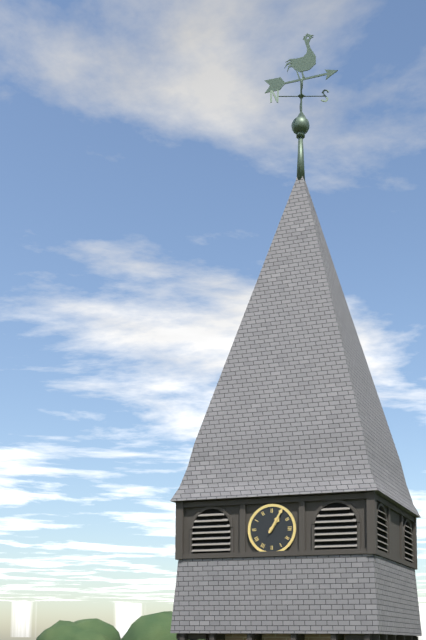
1h05
